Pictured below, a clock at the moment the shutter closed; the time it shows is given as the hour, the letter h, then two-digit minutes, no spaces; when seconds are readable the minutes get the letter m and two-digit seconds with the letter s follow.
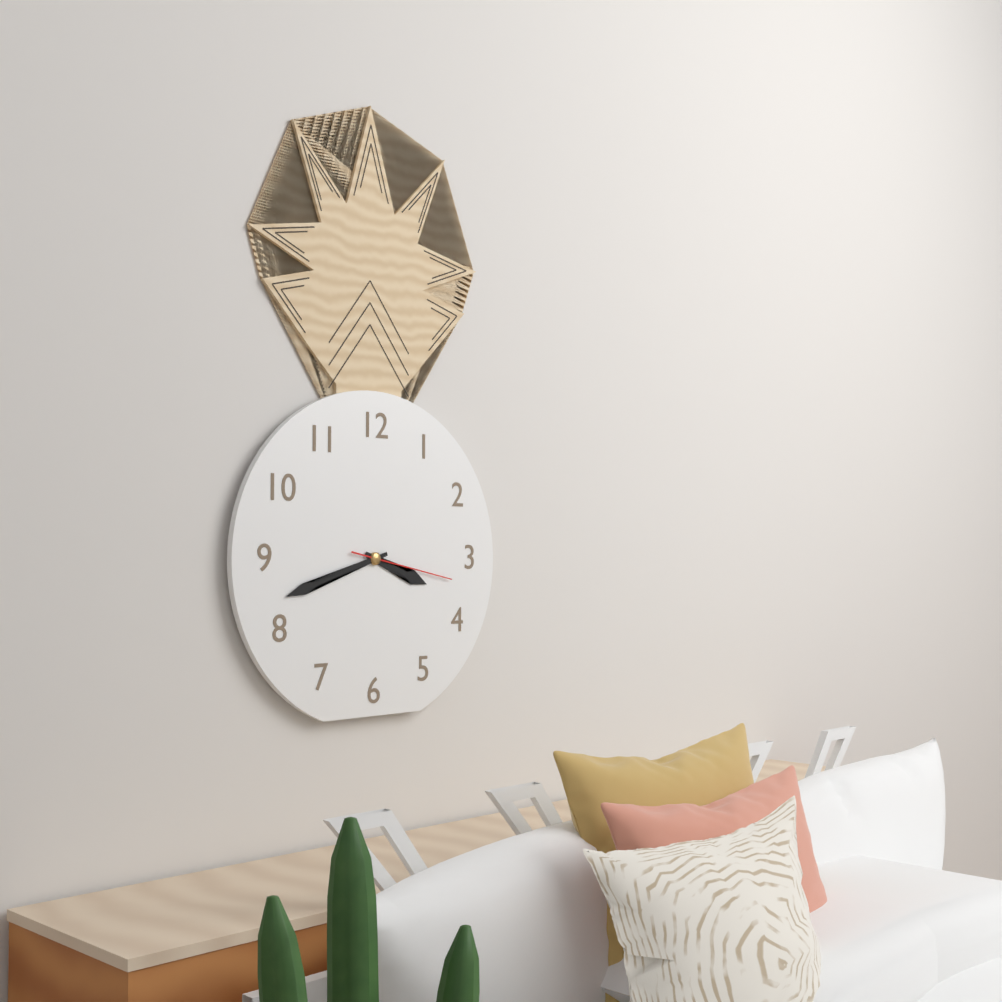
3h42m17s
